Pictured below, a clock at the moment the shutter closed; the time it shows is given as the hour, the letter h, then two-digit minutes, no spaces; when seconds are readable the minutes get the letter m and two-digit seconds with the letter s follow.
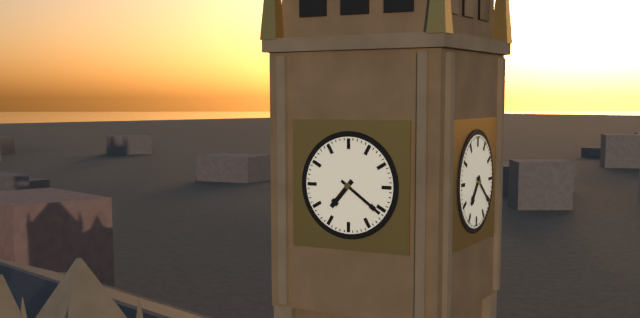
7h21
